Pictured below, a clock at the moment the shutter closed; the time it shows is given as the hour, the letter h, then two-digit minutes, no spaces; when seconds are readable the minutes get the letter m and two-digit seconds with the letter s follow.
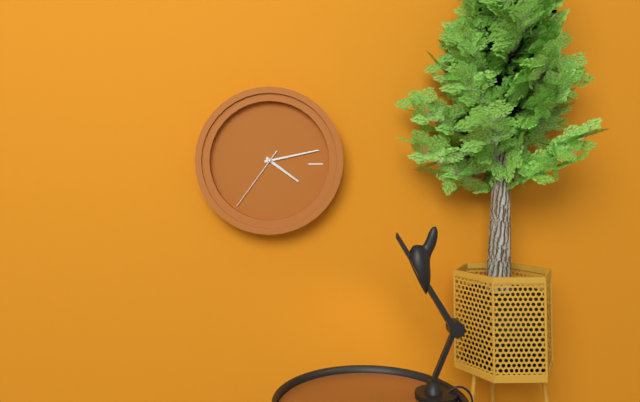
4h13m36s
